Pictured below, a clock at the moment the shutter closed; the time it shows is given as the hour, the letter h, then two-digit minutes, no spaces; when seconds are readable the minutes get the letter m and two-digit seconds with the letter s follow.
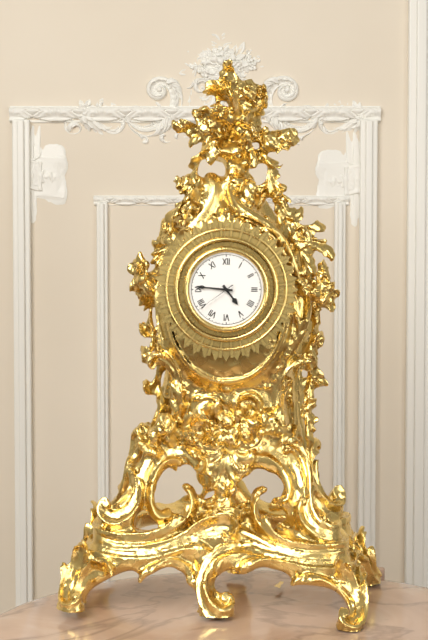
4h46
